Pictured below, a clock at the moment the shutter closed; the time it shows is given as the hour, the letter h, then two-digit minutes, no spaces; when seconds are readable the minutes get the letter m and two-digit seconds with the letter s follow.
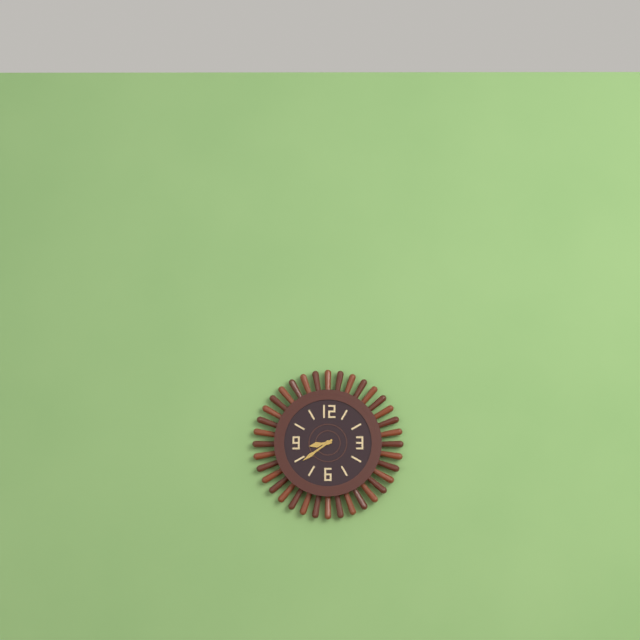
8h39
